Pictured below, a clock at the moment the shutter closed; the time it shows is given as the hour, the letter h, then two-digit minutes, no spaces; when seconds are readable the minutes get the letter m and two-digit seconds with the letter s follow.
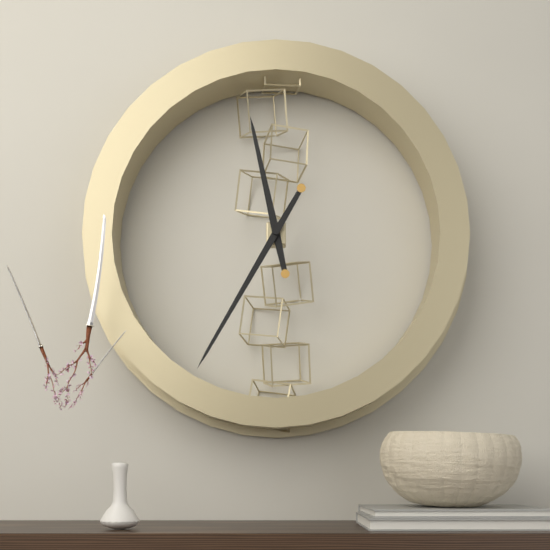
11h35
